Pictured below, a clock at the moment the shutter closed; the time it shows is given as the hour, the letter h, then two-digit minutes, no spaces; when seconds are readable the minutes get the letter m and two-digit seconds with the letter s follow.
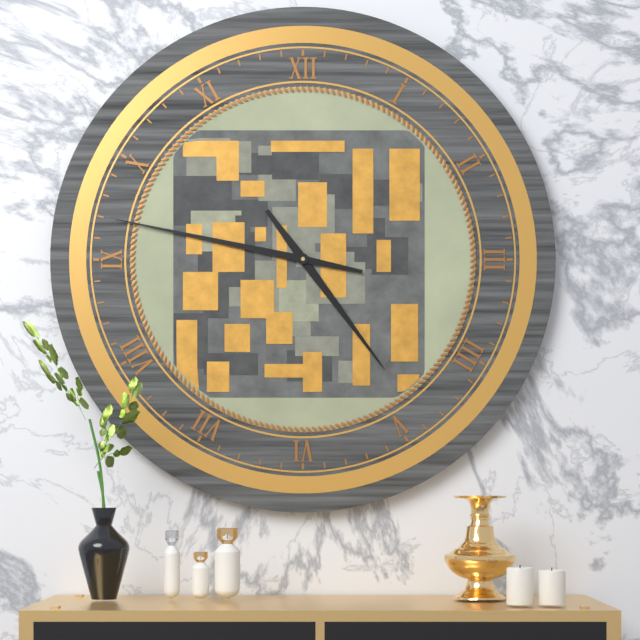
4h47
